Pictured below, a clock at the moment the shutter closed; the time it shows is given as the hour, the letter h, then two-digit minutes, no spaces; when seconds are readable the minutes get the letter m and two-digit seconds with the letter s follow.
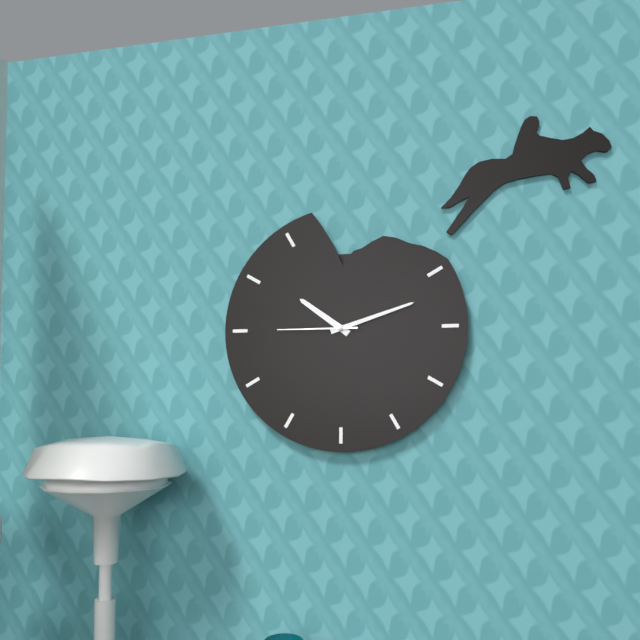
10h12m45s
